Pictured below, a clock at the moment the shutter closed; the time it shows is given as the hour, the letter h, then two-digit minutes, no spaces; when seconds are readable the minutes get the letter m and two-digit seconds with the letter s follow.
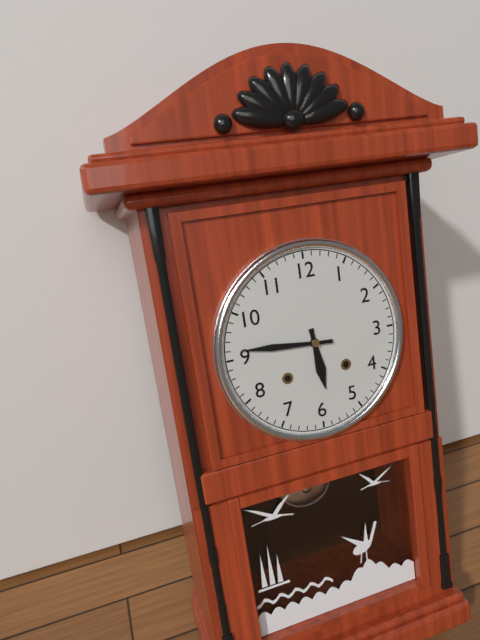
5h46
